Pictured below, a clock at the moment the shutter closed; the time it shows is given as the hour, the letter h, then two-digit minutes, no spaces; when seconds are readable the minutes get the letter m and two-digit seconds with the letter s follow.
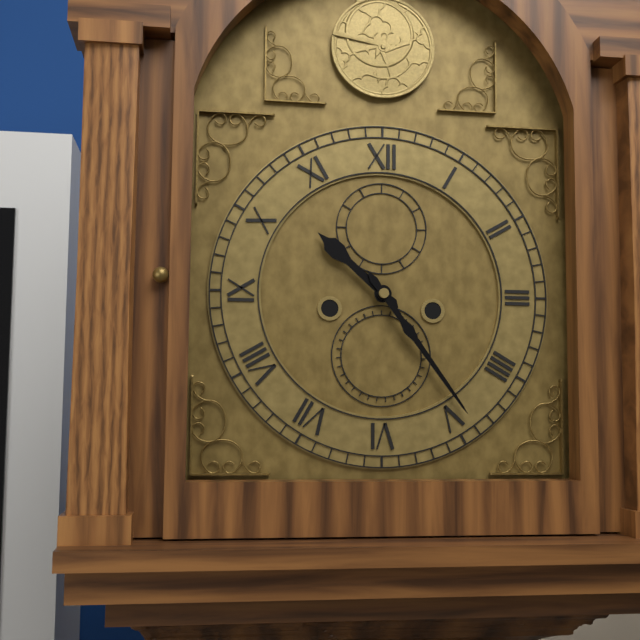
10h24
